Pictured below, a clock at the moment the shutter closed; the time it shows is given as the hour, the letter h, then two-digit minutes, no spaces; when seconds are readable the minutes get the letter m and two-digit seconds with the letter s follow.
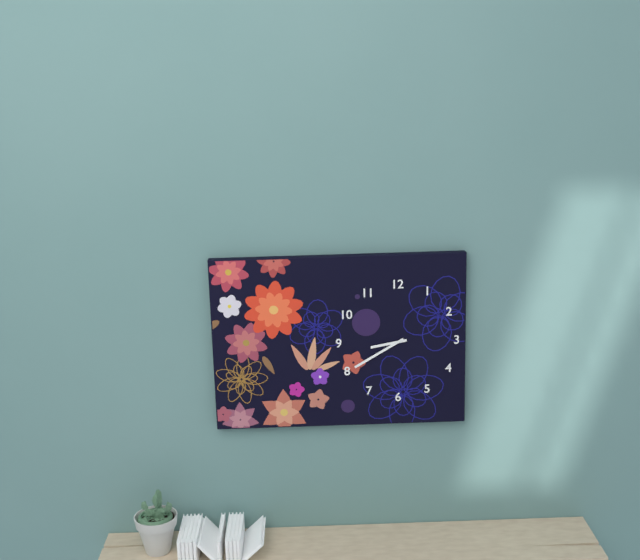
8h40
